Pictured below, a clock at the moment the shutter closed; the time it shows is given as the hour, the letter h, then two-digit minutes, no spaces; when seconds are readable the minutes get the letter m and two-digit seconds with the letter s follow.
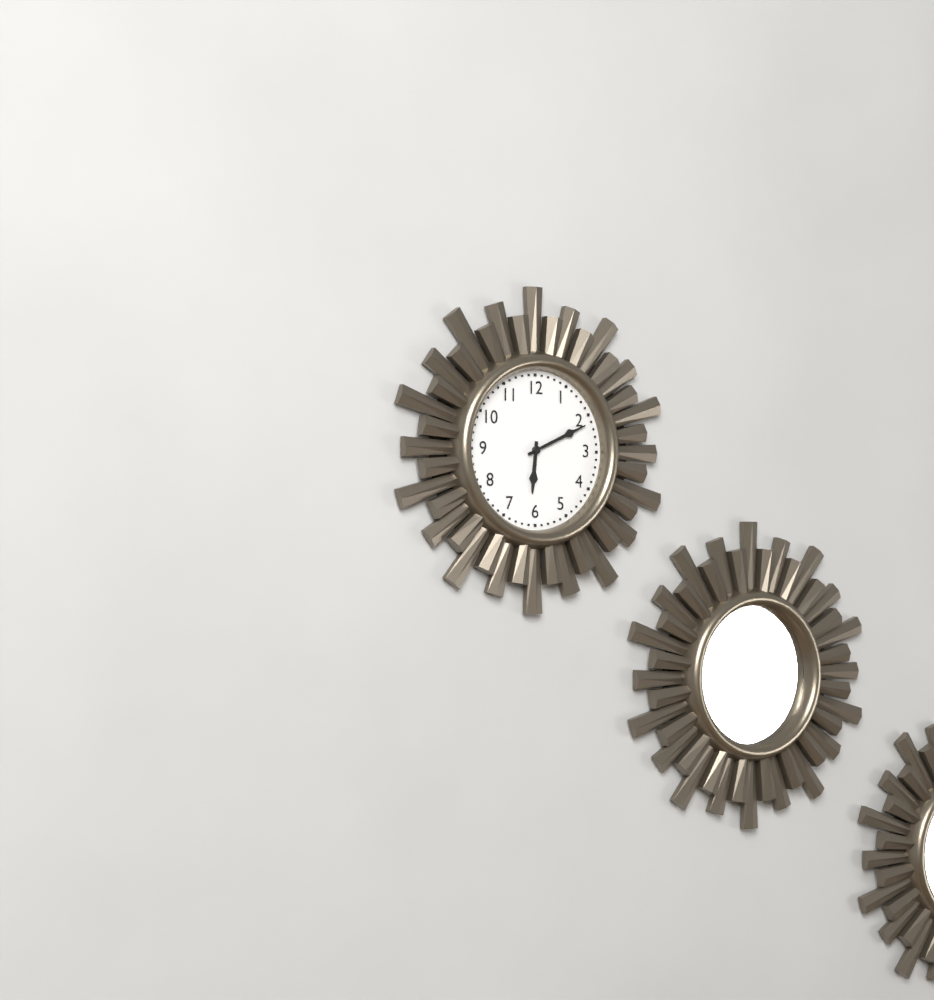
6h11
